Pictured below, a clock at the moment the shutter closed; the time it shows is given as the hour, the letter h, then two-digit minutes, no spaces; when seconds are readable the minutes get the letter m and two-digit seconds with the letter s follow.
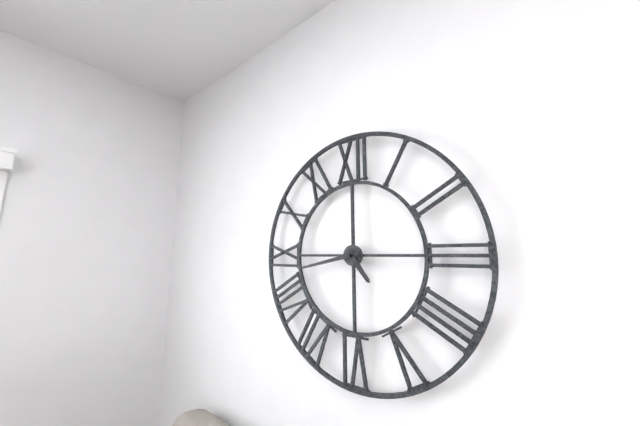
4h43
